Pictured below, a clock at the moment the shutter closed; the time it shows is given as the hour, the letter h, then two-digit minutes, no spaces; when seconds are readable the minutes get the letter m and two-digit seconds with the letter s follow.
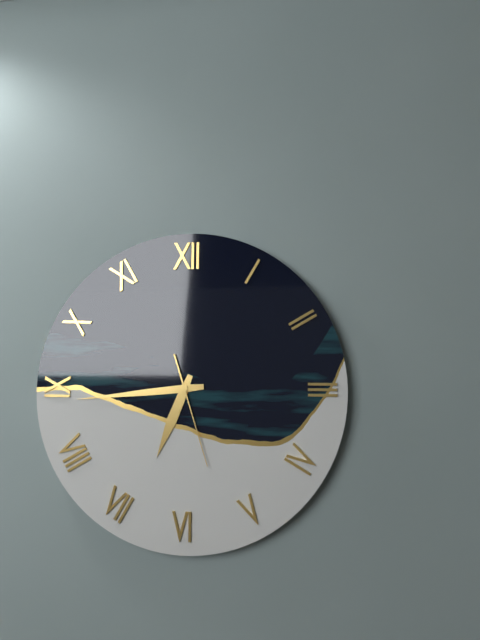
6h44m27s
